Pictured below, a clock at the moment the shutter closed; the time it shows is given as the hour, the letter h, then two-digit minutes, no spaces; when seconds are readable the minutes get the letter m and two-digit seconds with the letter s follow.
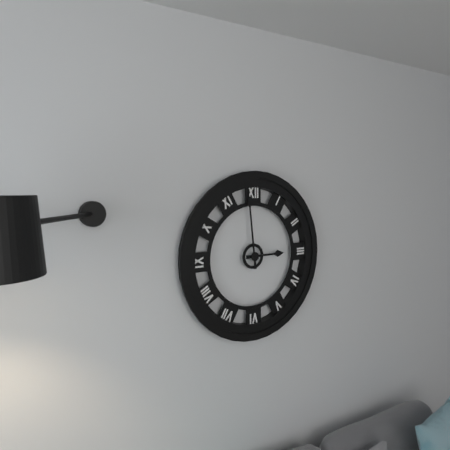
2h59
